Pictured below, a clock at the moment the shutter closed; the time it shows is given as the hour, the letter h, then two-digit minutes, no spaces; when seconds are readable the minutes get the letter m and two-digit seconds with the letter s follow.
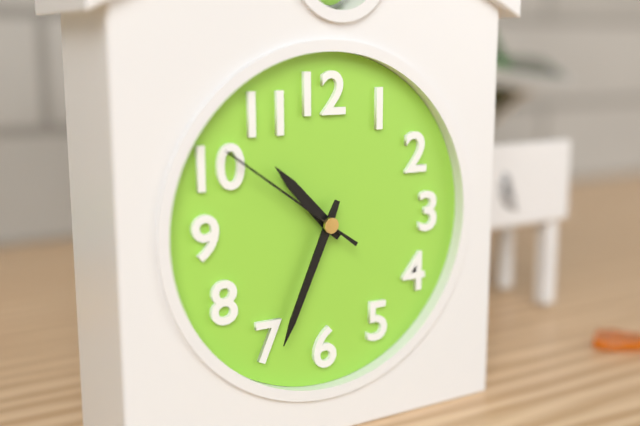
10h34m51s
